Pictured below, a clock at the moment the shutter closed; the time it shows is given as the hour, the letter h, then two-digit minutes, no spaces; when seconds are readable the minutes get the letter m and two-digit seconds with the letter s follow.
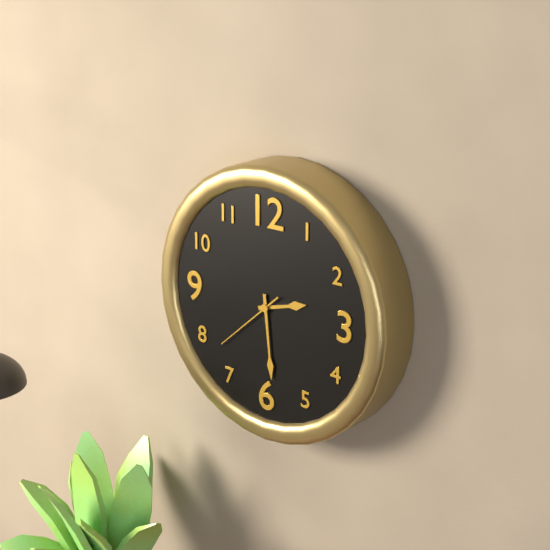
2h29m38s
